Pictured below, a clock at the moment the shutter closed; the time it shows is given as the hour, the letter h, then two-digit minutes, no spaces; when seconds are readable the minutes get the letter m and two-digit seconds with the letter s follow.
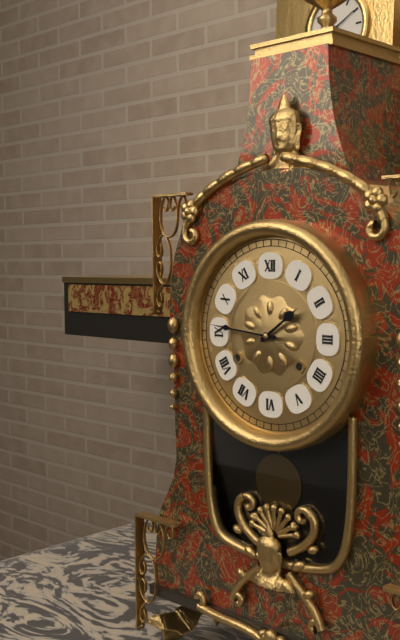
1h46
